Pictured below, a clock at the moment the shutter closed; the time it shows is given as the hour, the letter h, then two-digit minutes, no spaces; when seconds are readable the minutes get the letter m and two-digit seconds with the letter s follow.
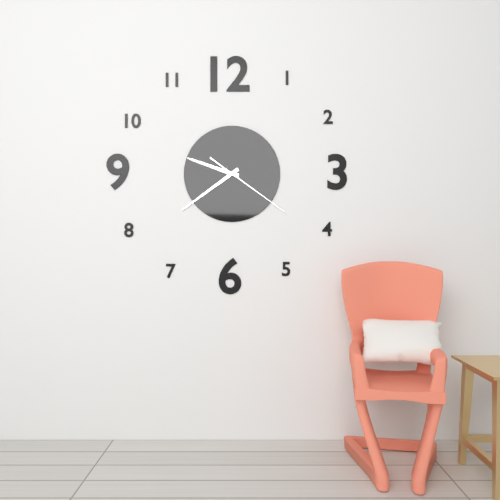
9h39m21s
